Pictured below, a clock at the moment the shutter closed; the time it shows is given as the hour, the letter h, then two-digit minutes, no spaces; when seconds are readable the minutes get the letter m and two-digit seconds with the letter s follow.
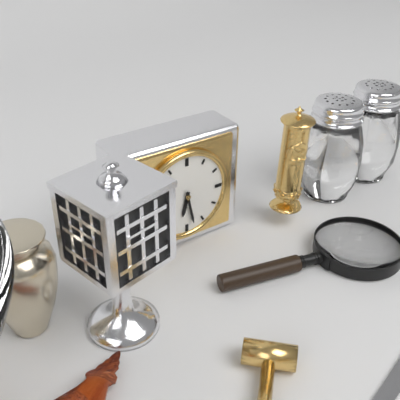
6h28
